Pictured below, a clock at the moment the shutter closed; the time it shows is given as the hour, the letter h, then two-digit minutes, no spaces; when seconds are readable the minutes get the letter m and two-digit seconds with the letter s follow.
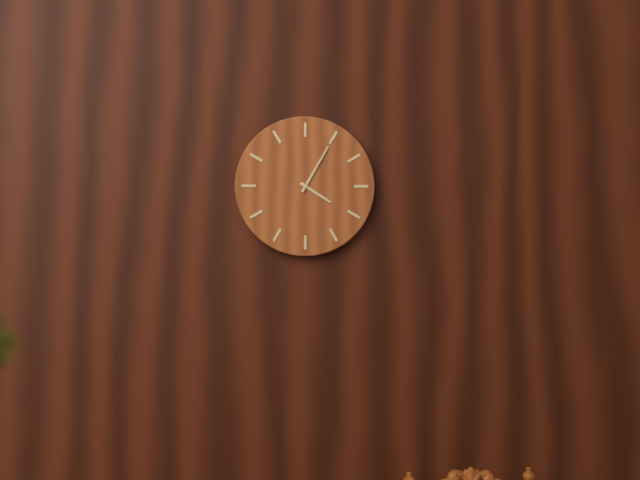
4h05
